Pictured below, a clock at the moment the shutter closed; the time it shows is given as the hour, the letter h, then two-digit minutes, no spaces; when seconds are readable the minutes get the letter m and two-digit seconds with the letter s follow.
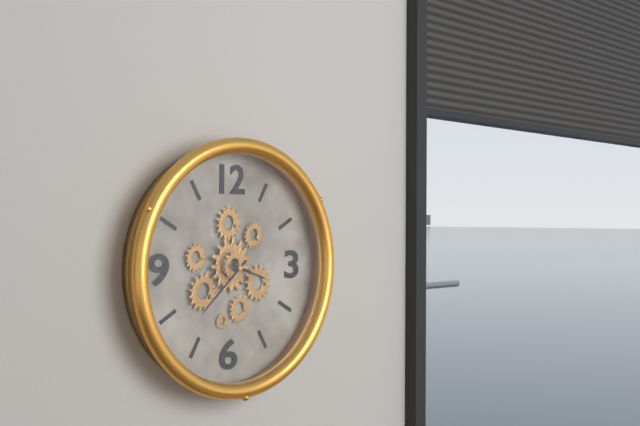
3h38
